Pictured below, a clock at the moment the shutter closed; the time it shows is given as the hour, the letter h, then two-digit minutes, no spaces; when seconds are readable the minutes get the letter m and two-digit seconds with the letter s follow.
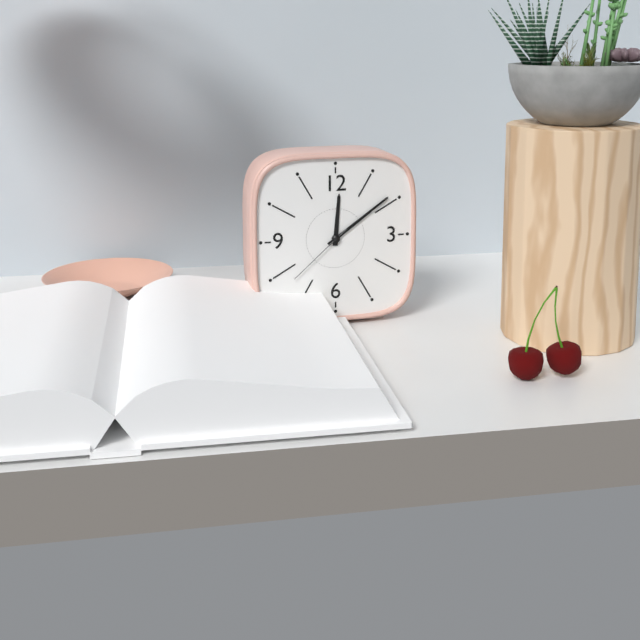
12h09m38s
